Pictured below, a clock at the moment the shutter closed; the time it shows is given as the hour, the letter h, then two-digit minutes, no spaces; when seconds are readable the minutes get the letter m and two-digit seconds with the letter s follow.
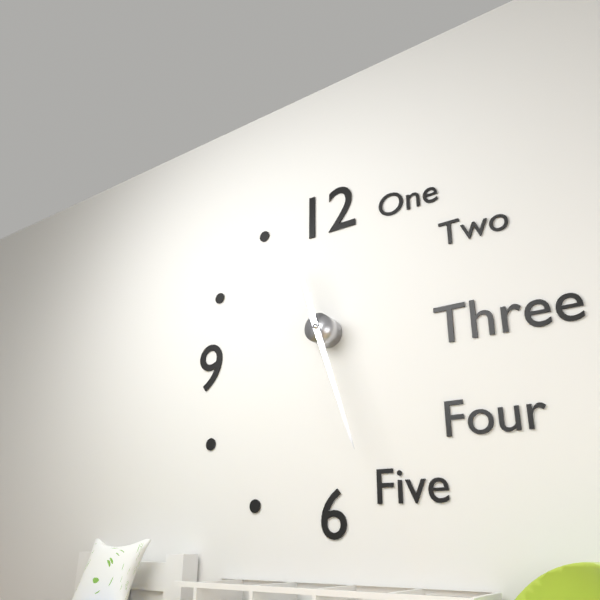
11h27
